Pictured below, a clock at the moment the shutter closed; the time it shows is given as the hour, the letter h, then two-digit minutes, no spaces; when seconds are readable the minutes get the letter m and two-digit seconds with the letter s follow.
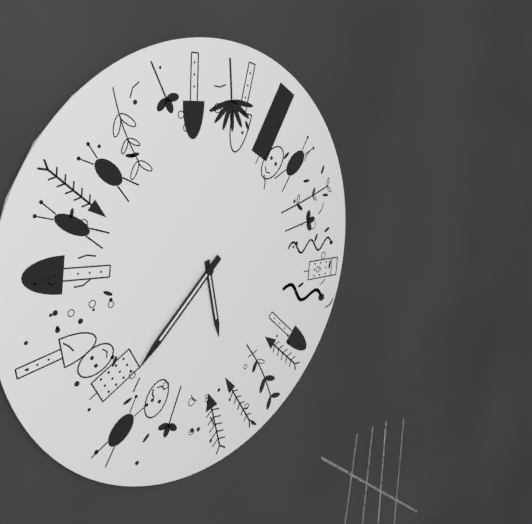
5h38
